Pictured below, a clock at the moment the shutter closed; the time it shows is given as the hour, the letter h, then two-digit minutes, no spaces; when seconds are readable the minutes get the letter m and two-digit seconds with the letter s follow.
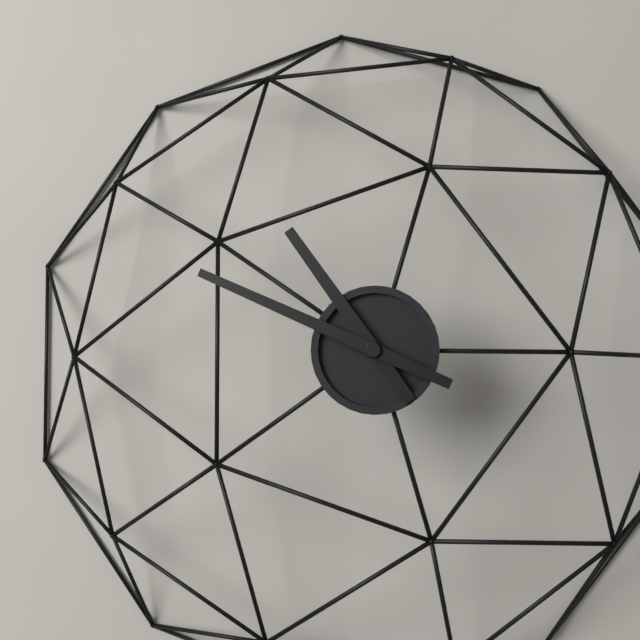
10h49
